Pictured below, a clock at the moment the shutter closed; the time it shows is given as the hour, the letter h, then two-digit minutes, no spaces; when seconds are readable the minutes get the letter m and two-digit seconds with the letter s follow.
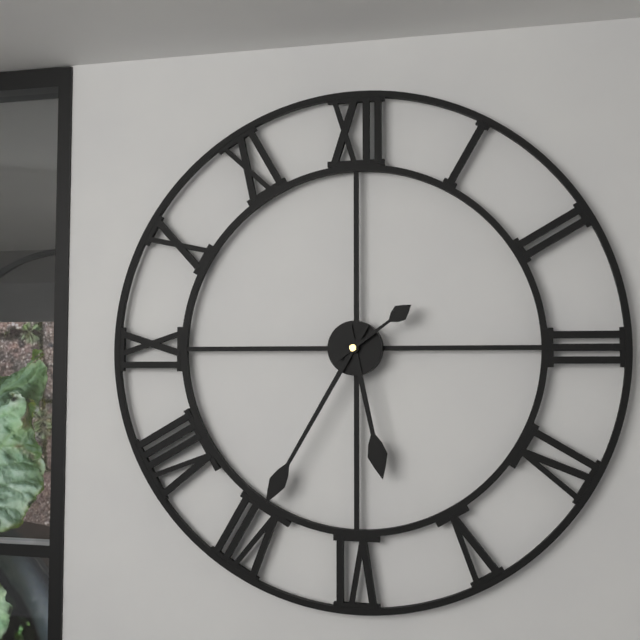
5h35m09s
